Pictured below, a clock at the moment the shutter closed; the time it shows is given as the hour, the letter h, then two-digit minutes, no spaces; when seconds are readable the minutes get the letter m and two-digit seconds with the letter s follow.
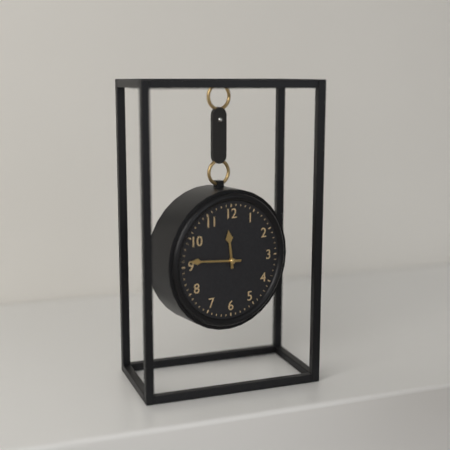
11h46
